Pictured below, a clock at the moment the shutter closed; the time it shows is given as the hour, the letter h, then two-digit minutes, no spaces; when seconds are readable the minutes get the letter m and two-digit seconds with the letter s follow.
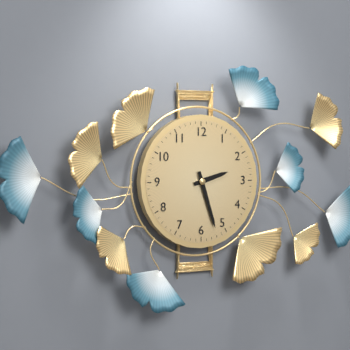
2h27
